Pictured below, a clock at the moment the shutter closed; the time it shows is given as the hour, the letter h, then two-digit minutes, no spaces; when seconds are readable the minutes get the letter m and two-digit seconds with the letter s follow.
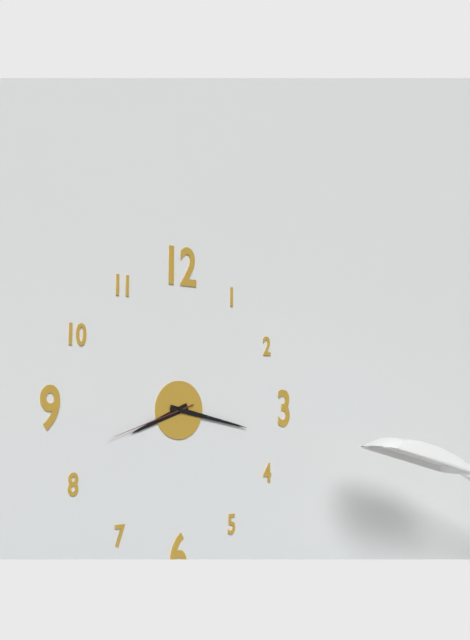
8h17m42s
